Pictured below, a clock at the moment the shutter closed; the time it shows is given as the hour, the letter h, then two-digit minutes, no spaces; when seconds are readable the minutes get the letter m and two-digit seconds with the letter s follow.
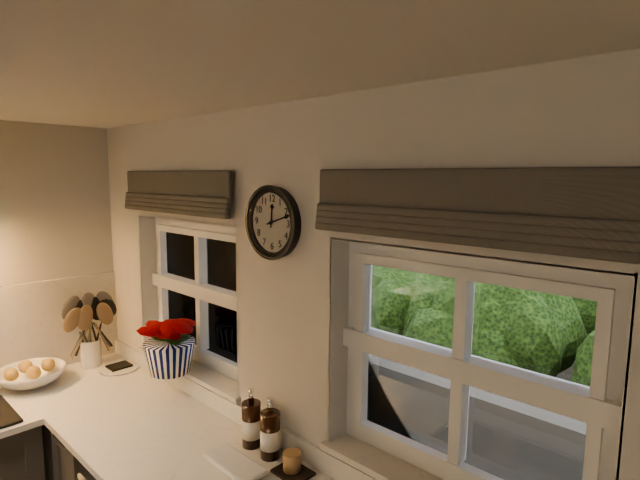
12h12
